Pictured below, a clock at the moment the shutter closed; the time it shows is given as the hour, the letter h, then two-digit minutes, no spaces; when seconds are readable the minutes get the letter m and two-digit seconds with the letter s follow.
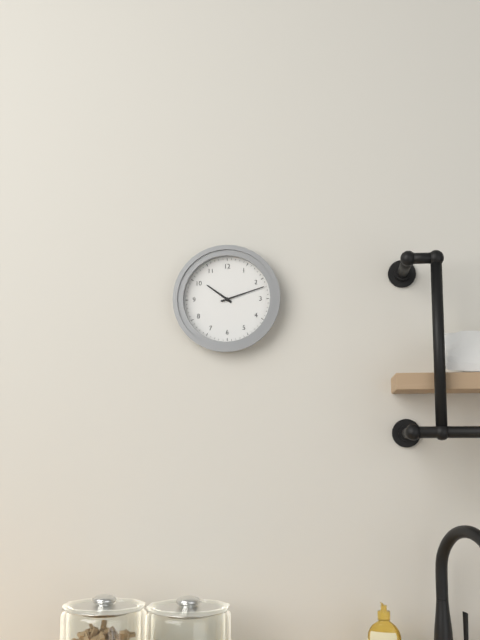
10h12
